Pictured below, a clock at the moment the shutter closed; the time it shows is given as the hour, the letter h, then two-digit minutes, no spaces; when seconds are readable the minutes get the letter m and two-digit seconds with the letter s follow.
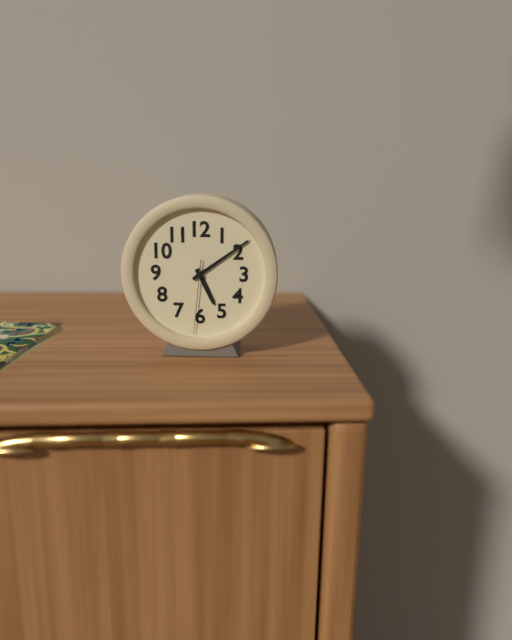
5h09m31s
